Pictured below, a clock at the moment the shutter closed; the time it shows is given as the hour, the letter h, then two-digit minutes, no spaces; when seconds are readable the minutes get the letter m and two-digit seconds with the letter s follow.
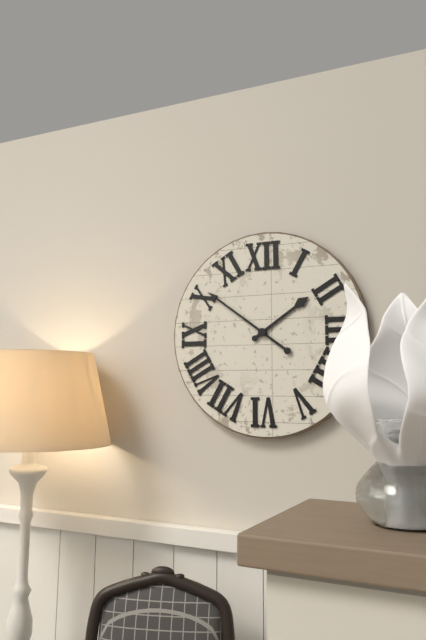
1h51
